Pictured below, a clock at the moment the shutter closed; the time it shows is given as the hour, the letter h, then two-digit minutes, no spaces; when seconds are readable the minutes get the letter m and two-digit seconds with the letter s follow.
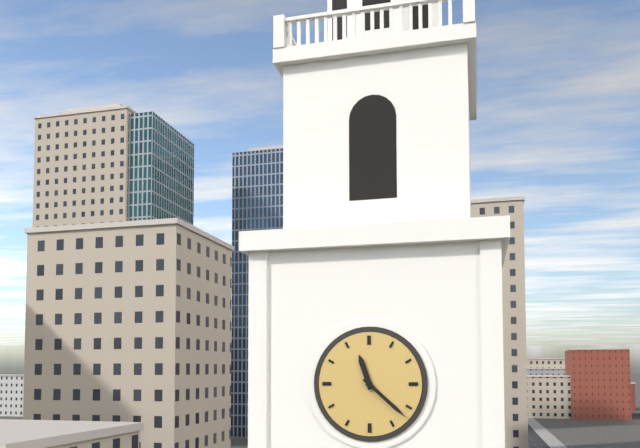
11h22
